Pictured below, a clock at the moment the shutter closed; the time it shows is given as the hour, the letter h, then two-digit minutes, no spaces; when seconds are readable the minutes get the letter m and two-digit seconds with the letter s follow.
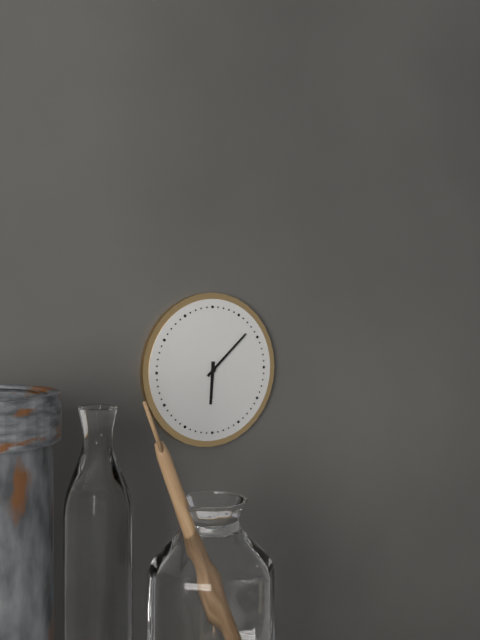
6h08
